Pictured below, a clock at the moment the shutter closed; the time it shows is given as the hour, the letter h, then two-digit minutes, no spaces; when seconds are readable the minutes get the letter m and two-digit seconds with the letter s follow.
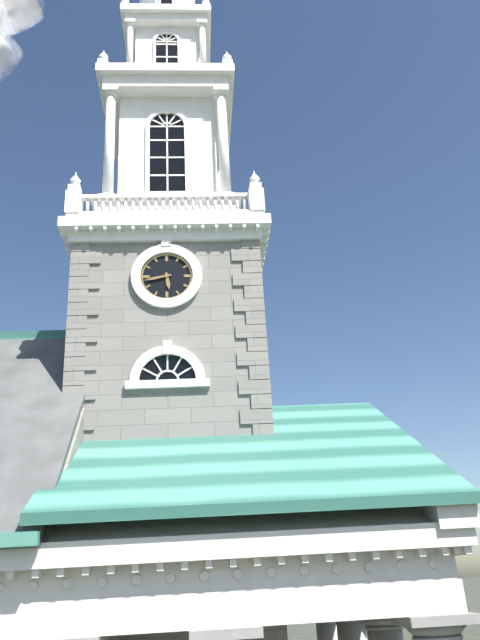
5h43
